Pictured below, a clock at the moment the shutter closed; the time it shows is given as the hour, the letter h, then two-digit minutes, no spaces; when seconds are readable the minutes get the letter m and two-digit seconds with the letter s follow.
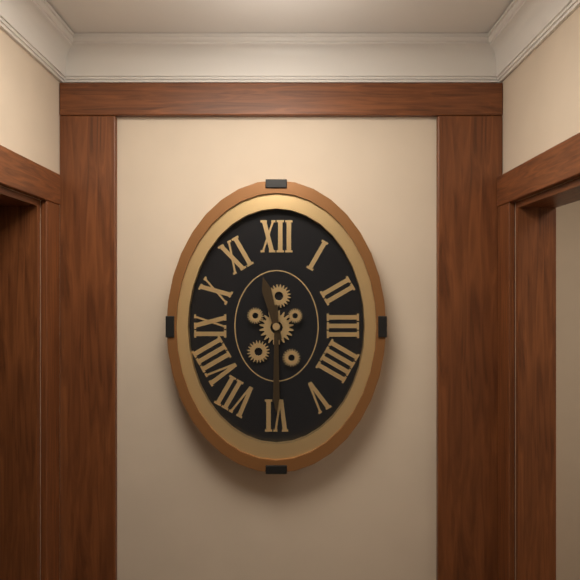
11h30
